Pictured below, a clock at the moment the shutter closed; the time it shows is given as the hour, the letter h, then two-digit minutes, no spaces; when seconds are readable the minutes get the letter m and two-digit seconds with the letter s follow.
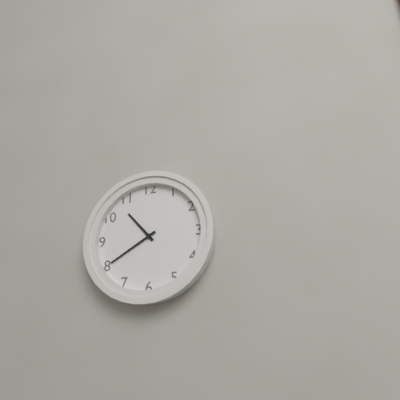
10h40
